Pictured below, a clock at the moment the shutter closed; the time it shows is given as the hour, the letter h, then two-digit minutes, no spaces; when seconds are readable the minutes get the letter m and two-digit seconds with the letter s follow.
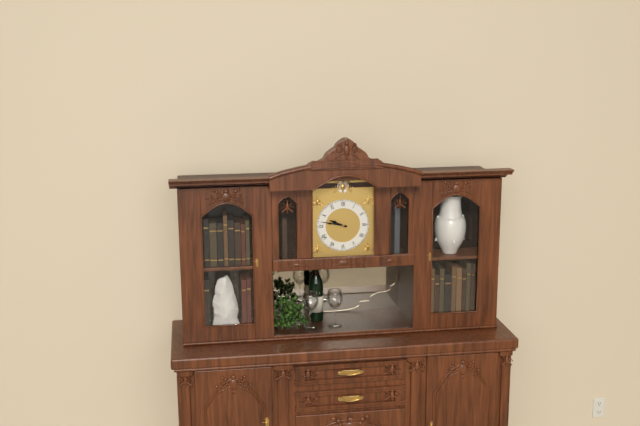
9h47
